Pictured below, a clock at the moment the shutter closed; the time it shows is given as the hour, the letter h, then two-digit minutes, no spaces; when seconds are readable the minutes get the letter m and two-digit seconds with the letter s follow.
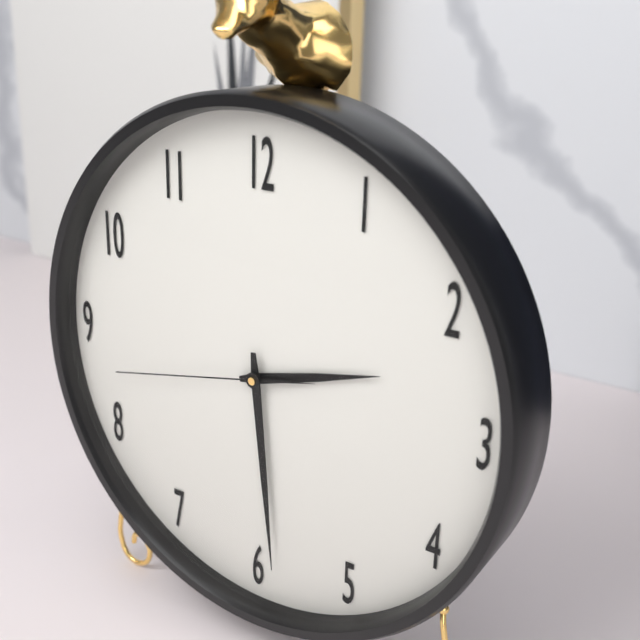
2h29m43s
